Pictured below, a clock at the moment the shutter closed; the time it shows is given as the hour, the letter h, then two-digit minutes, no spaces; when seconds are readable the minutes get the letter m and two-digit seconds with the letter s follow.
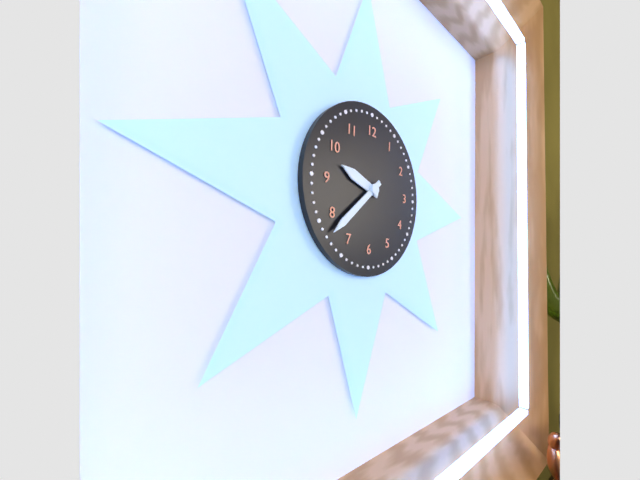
9h38
